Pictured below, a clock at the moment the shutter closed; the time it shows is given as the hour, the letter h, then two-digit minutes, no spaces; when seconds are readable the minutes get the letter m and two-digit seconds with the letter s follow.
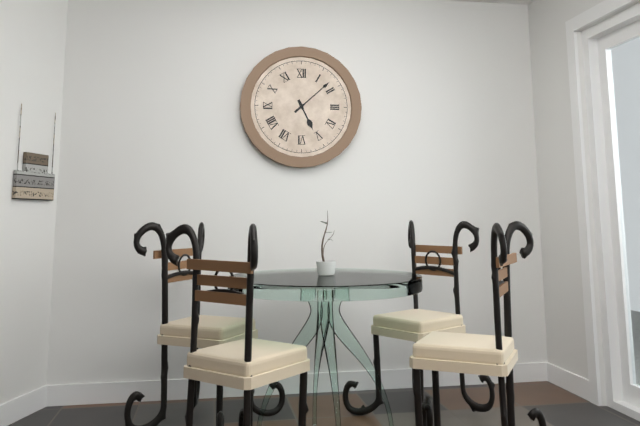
5h08
